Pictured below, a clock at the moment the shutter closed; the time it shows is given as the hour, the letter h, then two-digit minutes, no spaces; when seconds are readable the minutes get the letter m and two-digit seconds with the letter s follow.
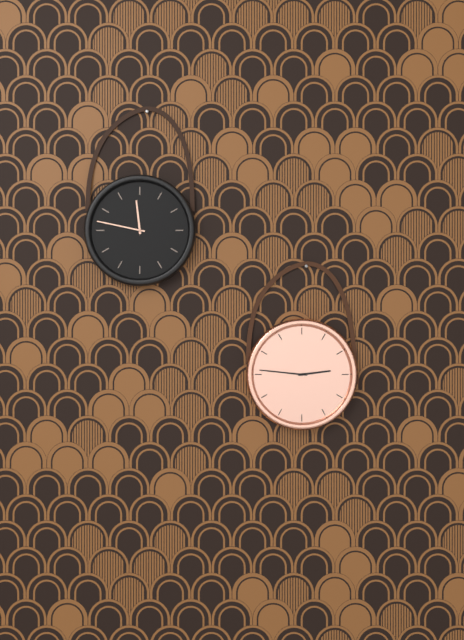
2h46
